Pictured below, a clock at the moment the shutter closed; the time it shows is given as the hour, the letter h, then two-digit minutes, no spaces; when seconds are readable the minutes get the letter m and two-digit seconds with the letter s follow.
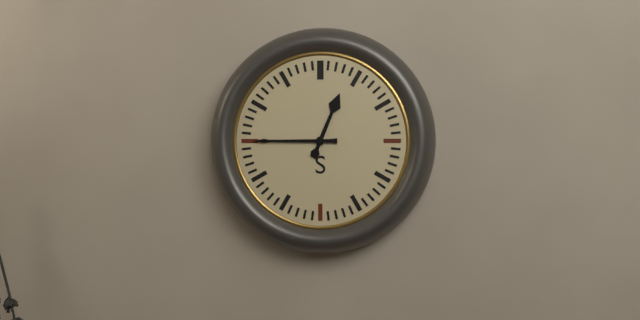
12h45
